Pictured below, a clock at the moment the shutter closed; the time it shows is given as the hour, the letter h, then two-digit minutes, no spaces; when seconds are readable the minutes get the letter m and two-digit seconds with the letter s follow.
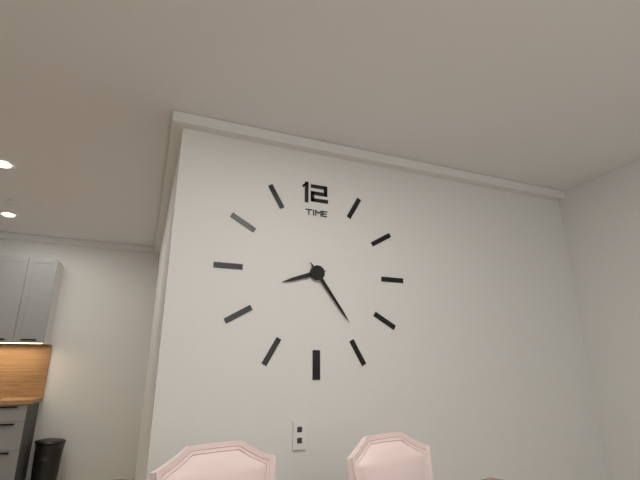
8h24
